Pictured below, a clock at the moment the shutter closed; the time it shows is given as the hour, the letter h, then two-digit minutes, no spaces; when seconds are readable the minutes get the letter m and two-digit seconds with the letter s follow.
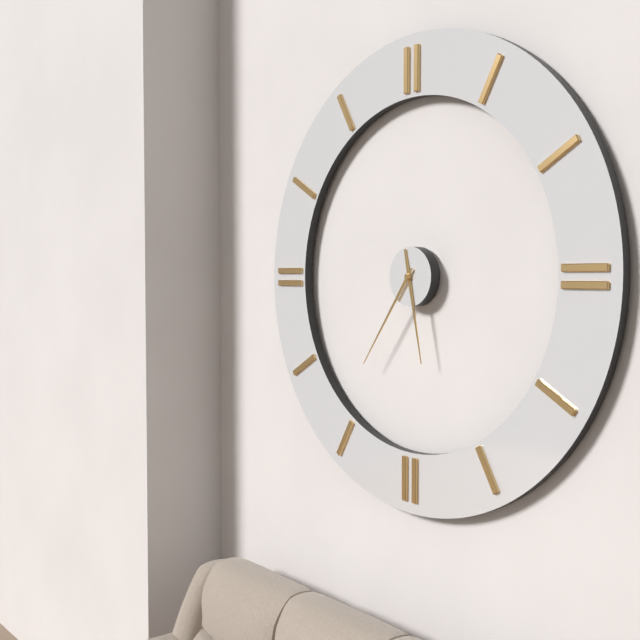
5h36
